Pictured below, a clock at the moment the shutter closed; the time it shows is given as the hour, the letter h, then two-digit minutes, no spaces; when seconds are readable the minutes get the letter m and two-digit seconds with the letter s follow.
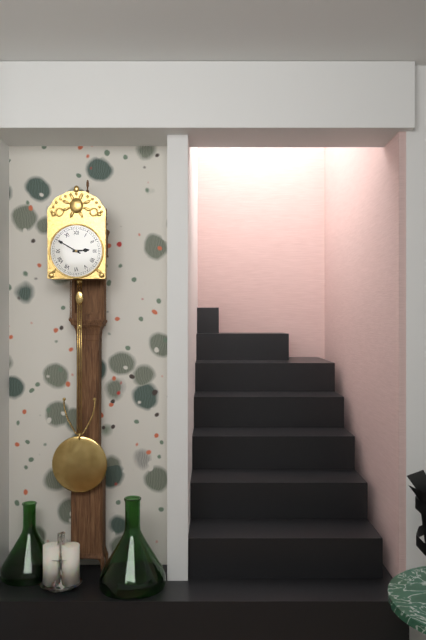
2h50
